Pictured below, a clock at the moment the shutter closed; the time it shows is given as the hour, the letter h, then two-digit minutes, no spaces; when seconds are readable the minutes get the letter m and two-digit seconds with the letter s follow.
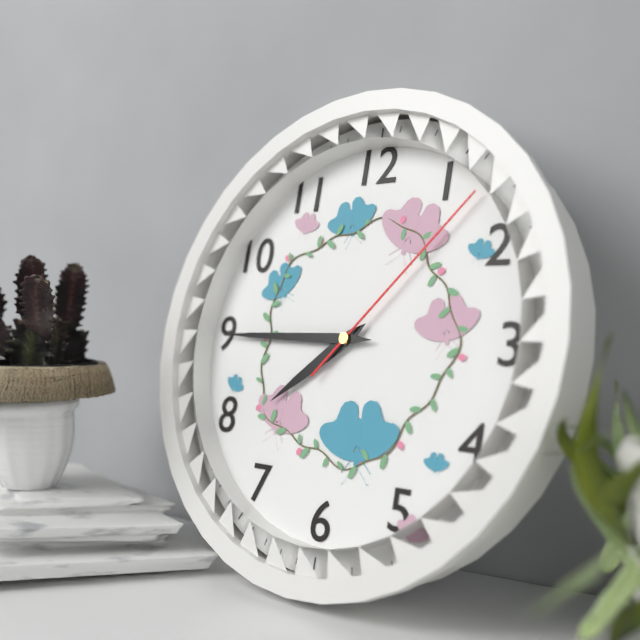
7h45m07s
